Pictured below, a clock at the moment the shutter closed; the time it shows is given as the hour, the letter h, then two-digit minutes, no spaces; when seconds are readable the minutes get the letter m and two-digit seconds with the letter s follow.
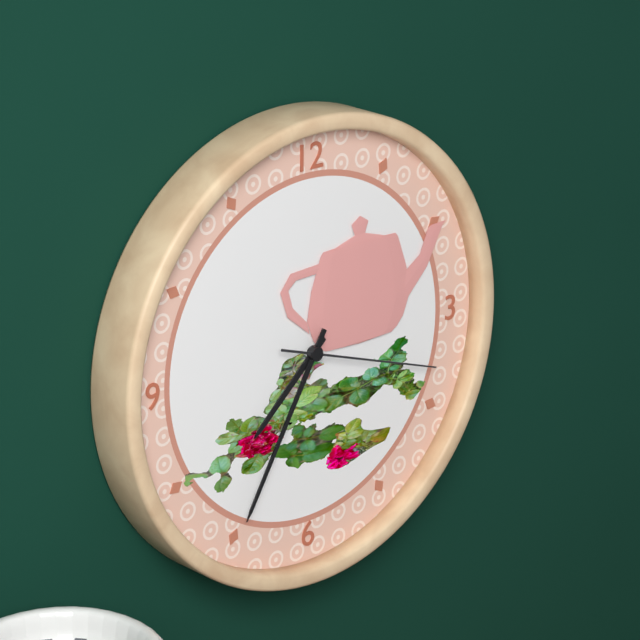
7h35m18s
